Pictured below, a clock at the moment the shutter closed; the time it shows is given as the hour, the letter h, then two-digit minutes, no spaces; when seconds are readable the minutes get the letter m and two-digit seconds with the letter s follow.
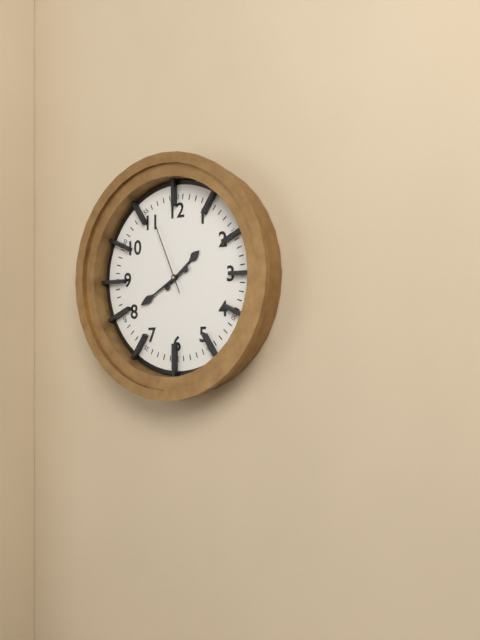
1h40m56s
